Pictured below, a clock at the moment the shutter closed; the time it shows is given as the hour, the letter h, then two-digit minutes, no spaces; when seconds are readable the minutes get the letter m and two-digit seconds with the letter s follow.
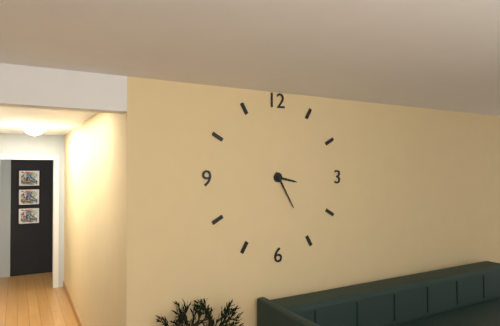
3h25
